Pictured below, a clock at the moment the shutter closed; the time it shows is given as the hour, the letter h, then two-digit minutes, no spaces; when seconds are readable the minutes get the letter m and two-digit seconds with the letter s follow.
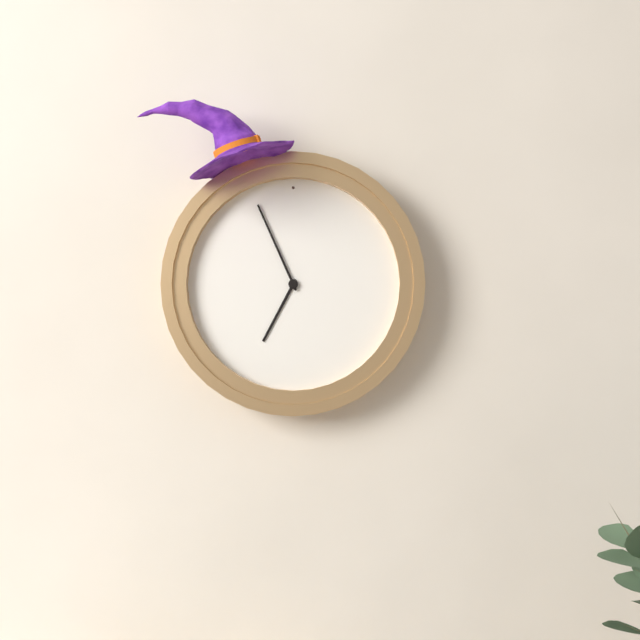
6h56
